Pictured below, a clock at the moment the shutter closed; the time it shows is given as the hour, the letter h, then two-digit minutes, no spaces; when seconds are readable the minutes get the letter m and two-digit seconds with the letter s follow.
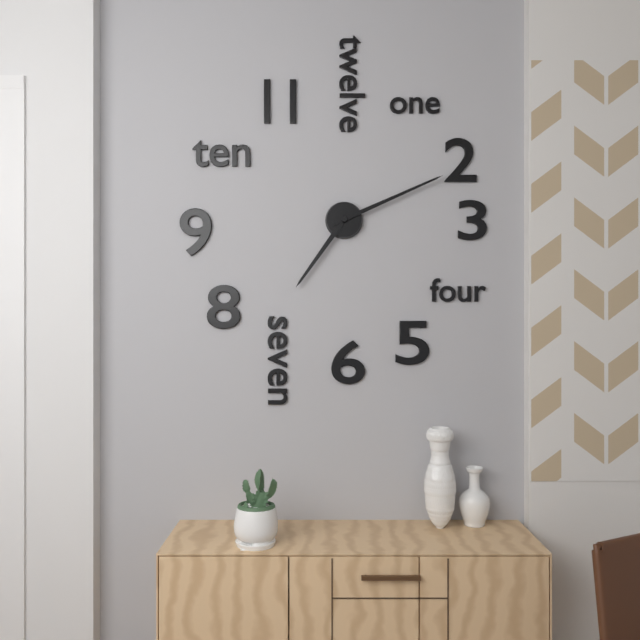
7h11
